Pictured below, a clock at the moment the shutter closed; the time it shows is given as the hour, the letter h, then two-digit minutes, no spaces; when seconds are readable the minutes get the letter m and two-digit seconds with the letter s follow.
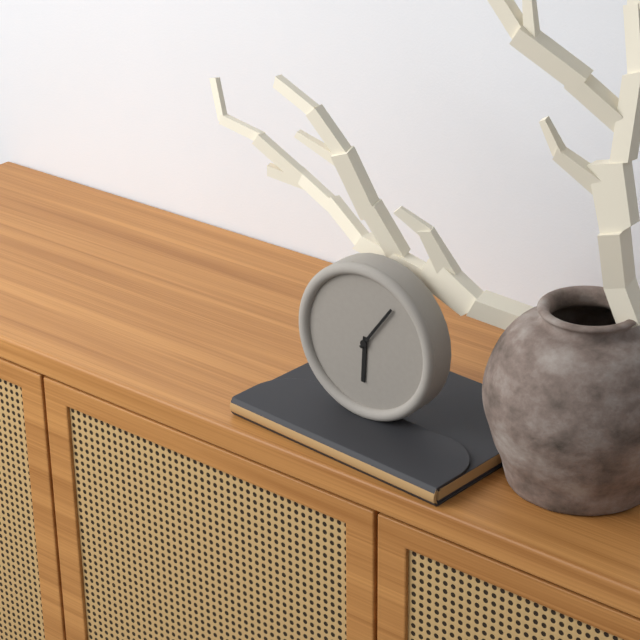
6h06
